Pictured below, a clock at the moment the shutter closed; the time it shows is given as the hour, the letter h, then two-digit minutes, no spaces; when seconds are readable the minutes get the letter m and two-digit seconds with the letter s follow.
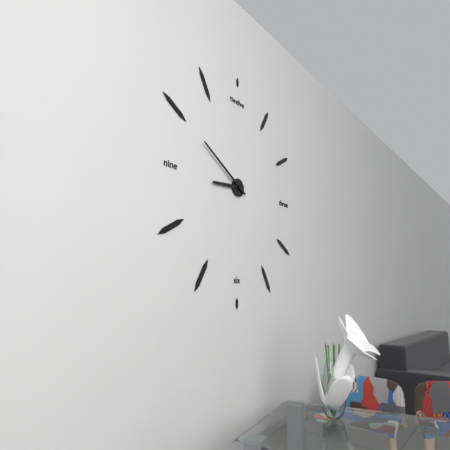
8h50
